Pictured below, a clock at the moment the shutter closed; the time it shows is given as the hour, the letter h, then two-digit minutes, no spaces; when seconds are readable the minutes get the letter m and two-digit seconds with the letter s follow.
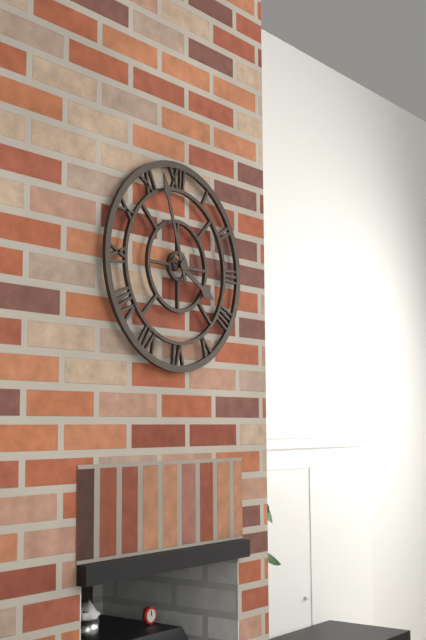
3h57
